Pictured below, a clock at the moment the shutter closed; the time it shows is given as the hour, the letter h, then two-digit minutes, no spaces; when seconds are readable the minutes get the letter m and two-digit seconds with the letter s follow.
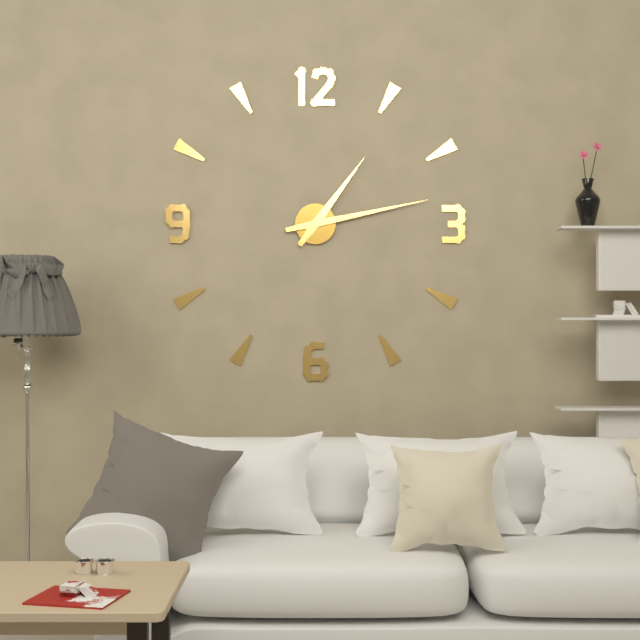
1h13
